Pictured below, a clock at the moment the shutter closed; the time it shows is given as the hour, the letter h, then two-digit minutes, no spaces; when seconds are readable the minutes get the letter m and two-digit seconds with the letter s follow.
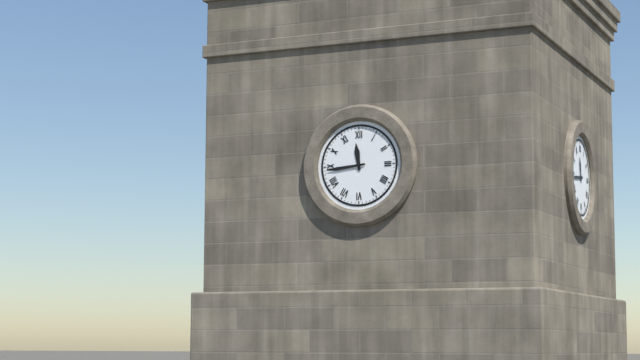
11h44
